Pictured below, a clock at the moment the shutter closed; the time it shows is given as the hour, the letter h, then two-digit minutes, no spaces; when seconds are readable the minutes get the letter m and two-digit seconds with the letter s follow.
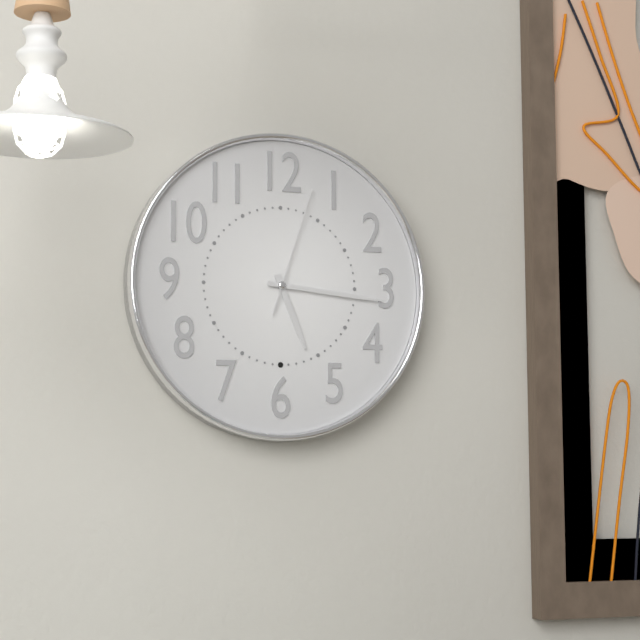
5h16m03s
